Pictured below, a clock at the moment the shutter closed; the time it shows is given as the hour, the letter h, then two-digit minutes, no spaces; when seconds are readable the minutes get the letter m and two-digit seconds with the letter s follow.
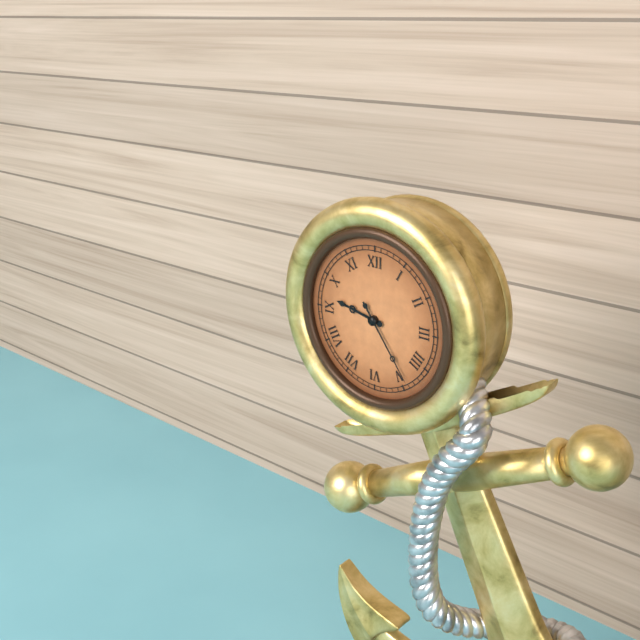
9h24
